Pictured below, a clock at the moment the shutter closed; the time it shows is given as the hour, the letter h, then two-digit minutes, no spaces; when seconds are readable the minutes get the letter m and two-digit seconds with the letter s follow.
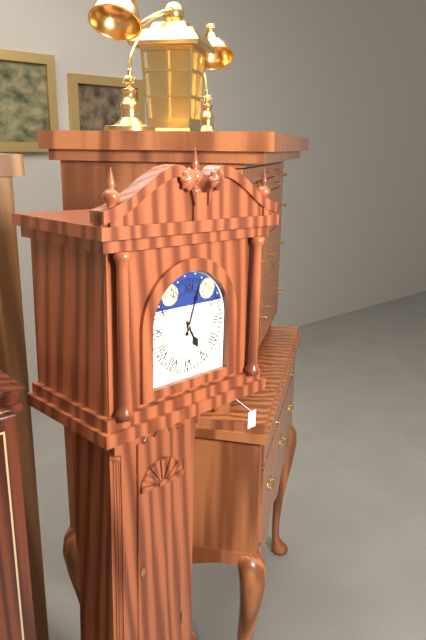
5h03
